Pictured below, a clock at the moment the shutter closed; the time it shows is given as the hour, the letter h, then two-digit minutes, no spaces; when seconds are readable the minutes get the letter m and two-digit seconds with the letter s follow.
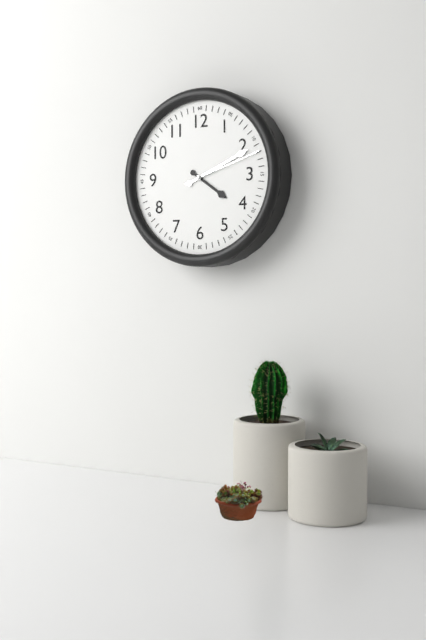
4h11m12s
